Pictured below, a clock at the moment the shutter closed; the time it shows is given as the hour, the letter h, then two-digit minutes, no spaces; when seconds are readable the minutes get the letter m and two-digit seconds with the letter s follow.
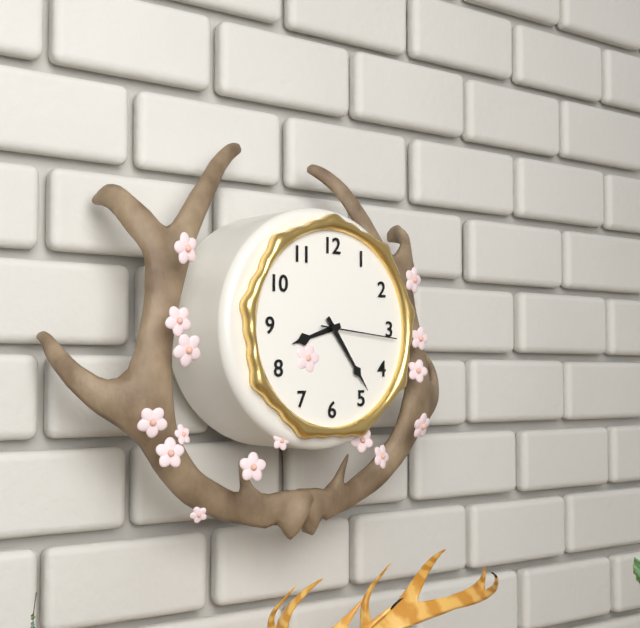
8h24m16s
